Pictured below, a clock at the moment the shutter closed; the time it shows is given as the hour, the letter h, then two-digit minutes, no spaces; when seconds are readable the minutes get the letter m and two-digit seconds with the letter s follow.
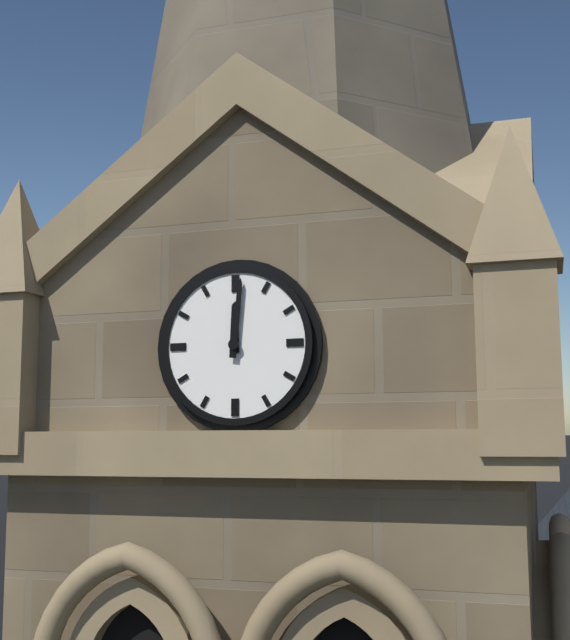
12h01
